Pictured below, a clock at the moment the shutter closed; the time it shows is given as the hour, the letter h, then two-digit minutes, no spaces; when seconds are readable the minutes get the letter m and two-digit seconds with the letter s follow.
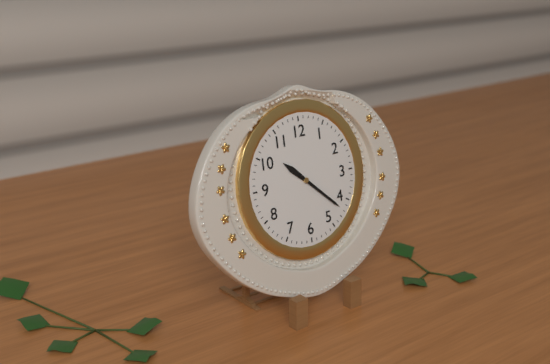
10h22
